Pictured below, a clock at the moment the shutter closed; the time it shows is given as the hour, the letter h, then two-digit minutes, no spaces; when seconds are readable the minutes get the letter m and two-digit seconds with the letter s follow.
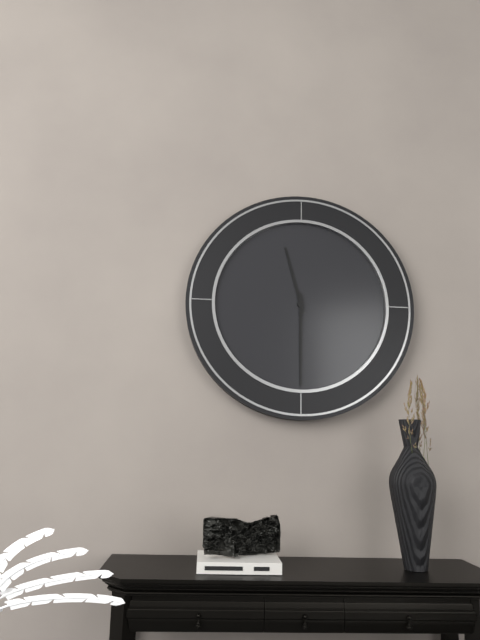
11h30
